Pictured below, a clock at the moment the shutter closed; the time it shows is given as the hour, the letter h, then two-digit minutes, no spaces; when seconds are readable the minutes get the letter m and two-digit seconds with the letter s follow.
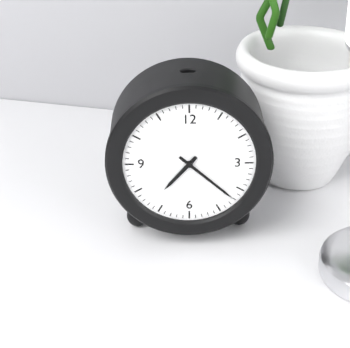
7h22
